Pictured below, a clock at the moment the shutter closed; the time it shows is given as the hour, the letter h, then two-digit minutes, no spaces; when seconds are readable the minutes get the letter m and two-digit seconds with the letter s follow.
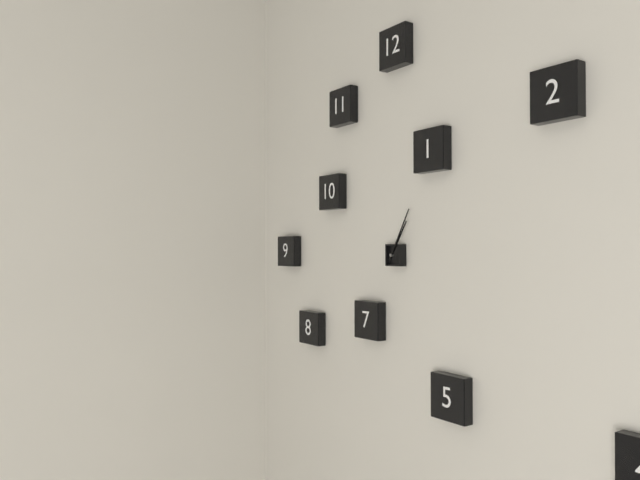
1h05
